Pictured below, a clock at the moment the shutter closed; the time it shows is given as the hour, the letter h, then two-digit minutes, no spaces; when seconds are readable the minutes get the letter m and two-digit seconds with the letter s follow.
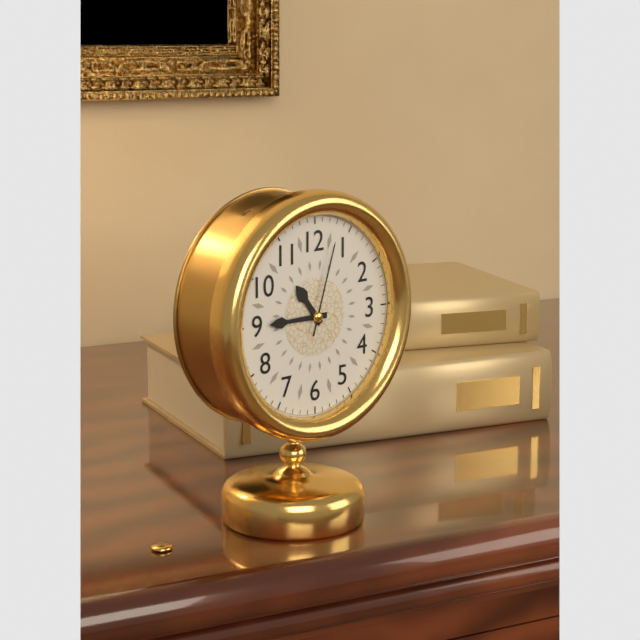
10h45m03s
